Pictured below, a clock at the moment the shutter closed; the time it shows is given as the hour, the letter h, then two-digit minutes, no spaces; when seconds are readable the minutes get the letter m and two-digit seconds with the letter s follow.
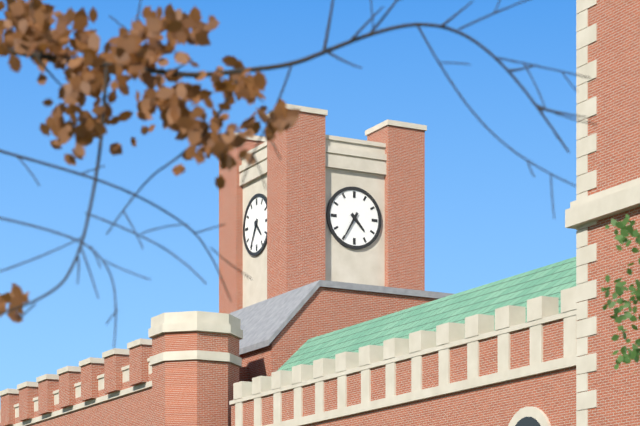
4h35
